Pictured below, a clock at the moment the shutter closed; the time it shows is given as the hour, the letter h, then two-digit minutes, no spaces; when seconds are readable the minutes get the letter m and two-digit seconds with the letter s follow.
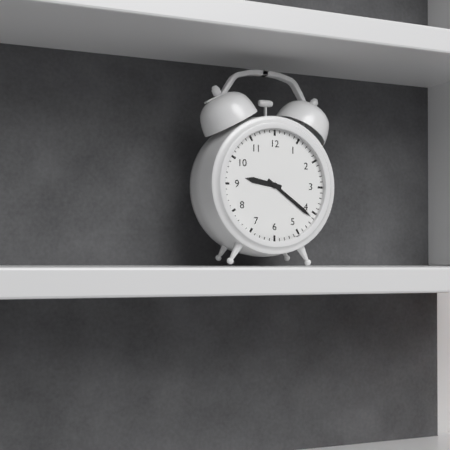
9h21
